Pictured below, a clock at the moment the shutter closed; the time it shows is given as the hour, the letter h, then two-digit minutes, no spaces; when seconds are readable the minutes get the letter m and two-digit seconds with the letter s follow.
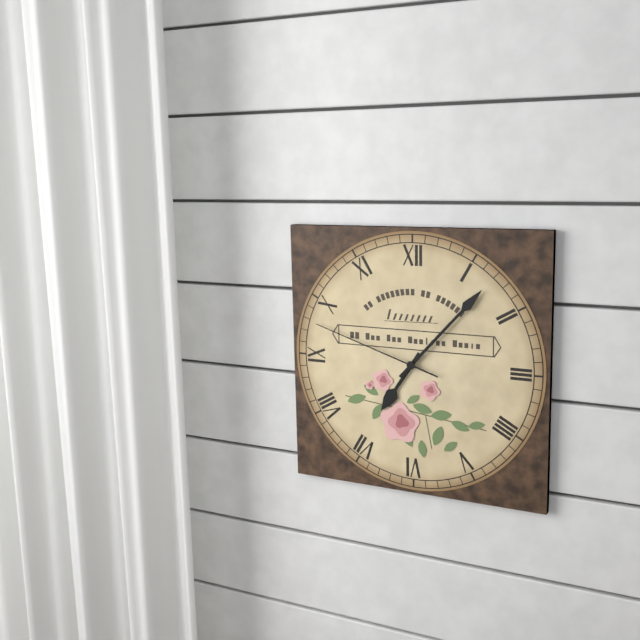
7h07m48s
